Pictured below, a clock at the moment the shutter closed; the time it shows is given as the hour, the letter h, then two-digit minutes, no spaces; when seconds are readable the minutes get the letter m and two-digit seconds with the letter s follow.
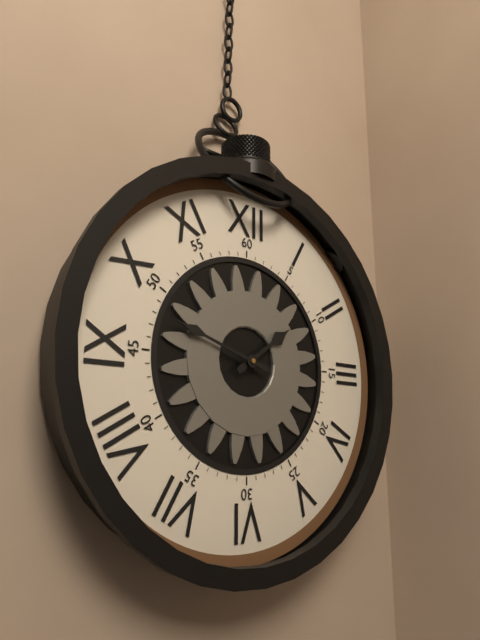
1h48
